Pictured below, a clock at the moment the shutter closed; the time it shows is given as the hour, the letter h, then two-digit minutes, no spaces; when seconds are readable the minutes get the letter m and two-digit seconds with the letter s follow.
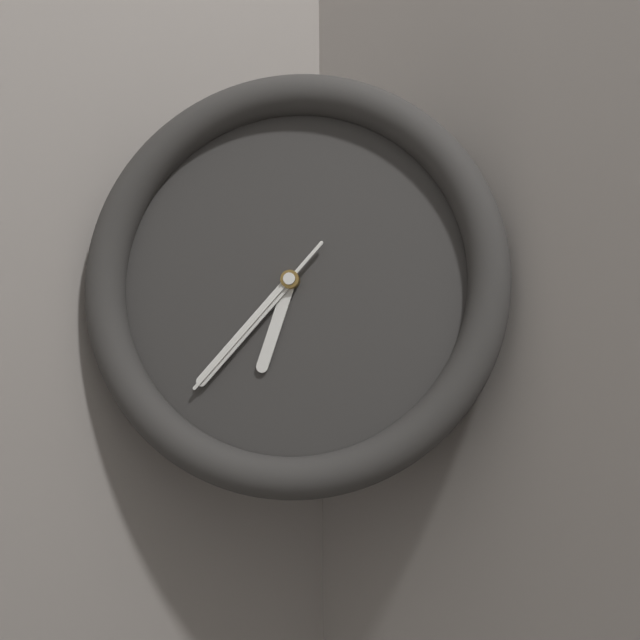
6h37m37s
